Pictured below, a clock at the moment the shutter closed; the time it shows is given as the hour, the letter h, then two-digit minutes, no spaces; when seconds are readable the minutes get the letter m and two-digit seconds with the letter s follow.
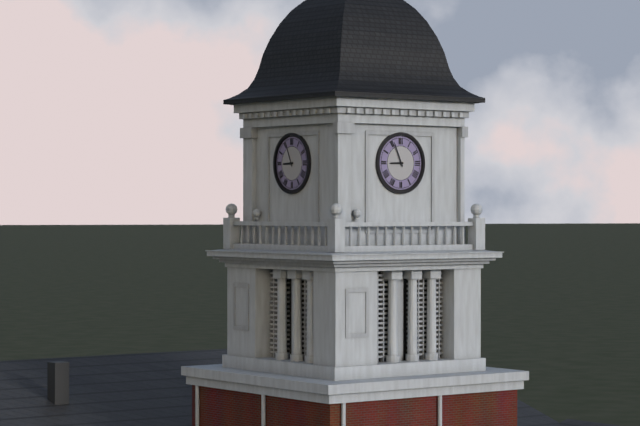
8h56
